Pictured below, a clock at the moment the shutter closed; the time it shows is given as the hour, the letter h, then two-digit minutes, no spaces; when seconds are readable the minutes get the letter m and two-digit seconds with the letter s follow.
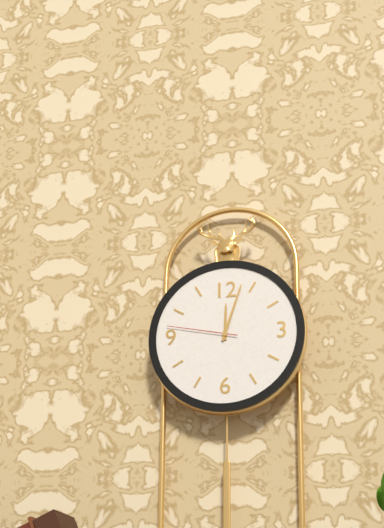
12h03m47s
